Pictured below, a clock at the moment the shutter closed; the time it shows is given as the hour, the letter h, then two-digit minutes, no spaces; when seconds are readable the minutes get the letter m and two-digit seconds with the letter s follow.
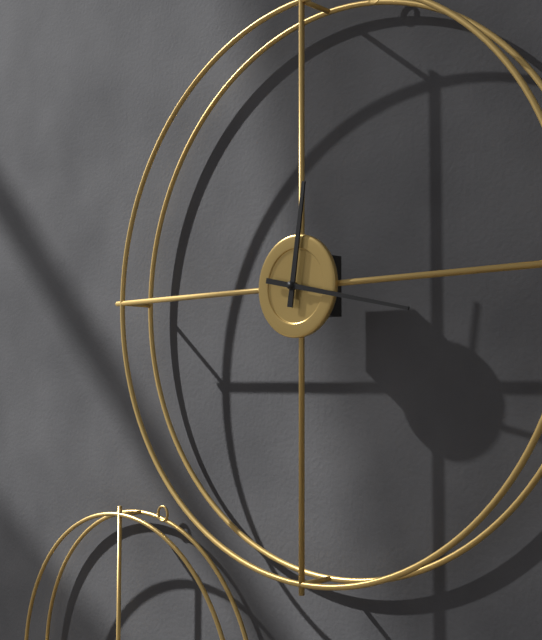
12h17
